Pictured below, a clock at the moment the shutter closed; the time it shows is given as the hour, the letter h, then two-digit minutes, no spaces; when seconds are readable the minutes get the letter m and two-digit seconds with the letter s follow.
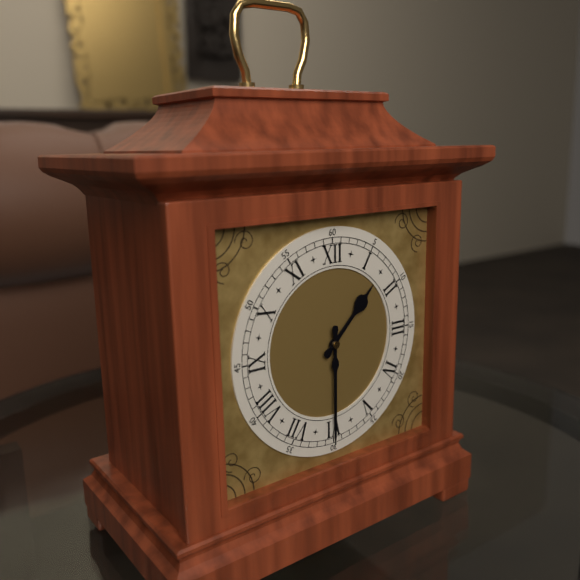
1h30
